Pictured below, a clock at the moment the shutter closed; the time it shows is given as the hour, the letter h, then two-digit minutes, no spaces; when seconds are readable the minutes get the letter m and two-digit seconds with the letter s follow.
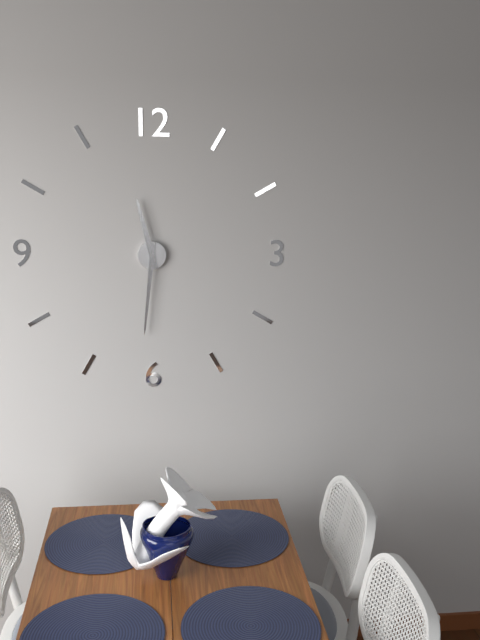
11h31
